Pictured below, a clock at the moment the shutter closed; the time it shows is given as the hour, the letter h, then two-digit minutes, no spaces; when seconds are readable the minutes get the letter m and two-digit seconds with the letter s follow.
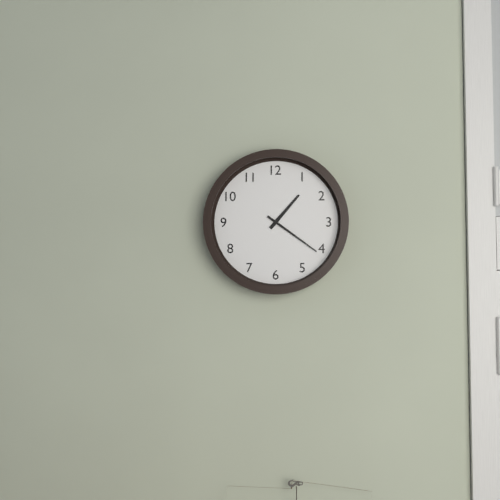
1h21
